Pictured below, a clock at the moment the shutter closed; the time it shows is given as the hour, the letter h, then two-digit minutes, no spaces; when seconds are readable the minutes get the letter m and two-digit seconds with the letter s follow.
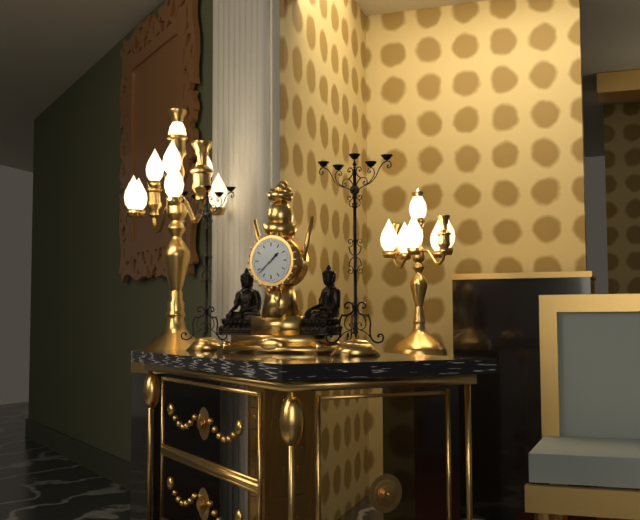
1h38
